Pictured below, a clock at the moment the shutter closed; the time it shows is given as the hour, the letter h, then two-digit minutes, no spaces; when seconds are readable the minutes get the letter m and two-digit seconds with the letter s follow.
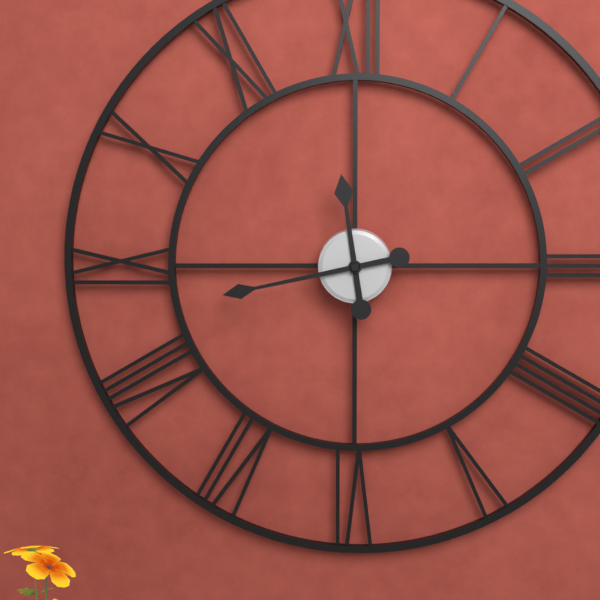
11h43
